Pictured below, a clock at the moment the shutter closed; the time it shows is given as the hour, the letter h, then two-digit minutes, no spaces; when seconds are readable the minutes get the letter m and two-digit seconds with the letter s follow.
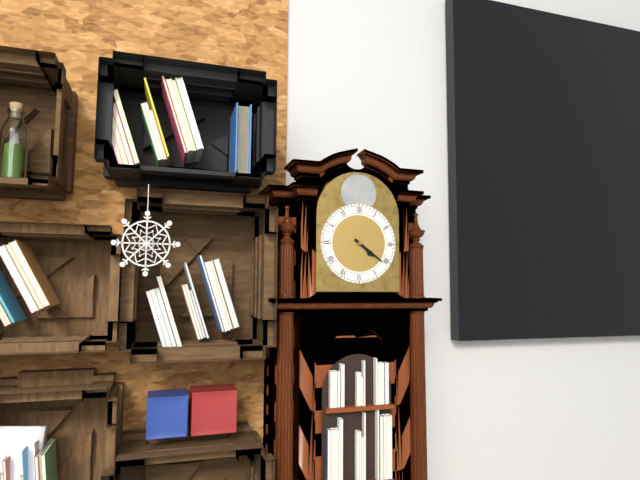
4h21
